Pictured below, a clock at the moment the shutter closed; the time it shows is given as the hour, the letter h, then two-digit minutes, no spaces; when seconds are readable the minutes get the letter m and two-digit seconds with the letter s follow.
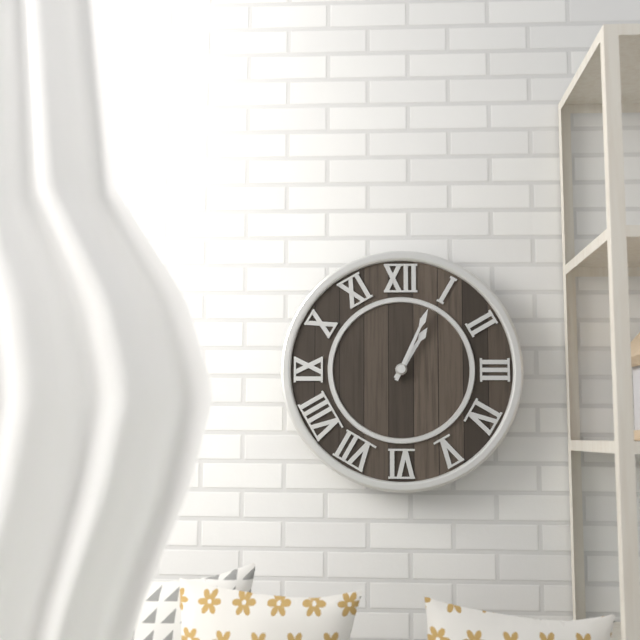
1h04
